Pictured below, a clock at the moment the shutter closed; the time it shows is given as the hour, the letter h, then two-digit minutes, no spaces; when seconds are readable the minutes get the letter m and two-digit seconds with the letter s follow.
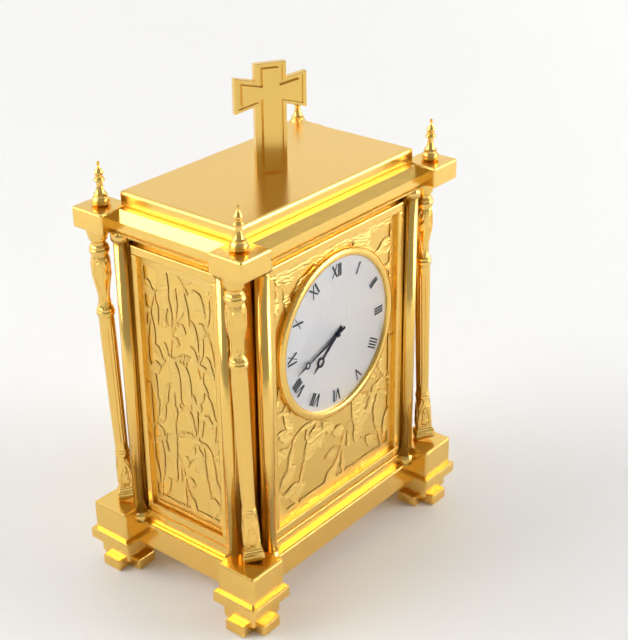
7h42
